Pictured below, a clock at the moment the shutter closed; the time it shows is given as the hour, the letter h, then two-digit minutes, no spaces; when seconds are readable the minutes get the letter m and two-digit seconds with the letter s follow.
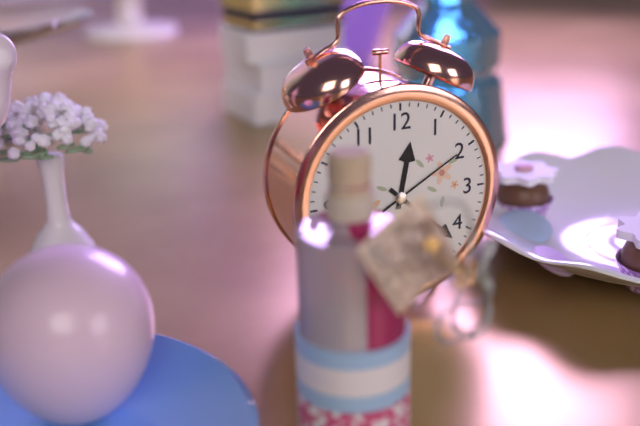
12h22m10s
